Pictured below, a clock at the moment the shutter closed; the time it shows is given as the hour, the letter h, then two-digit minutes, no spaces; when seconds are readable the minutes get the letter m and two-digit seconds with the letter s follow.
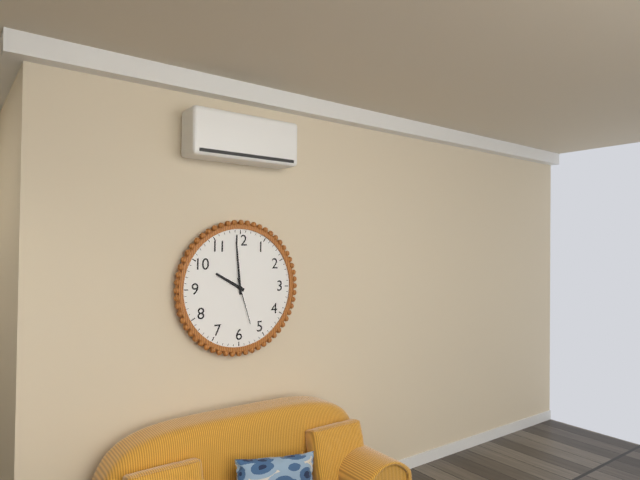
9h59
